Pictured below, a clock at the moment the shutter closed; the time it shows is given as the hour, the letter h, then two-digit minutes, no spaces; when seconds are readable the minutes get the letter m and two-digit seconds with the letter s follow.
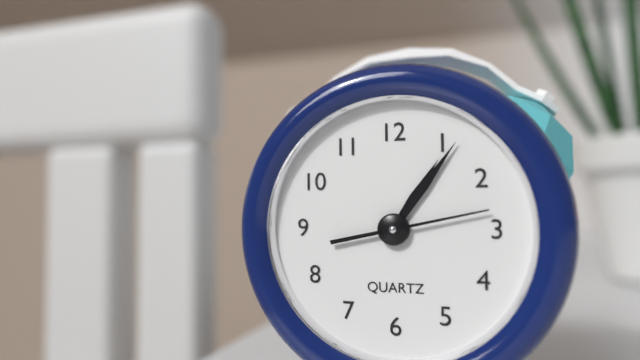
1h06m13s
